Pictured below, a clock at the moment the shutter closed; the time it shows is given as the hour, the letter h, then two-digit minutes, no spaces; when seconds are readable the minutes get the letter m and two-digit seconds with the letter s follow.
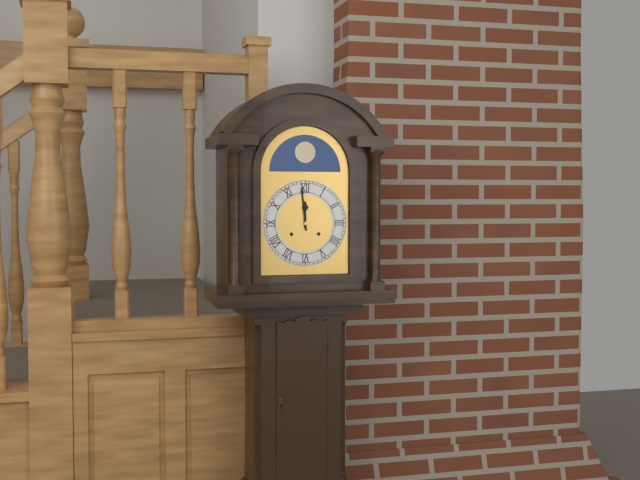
11h59
